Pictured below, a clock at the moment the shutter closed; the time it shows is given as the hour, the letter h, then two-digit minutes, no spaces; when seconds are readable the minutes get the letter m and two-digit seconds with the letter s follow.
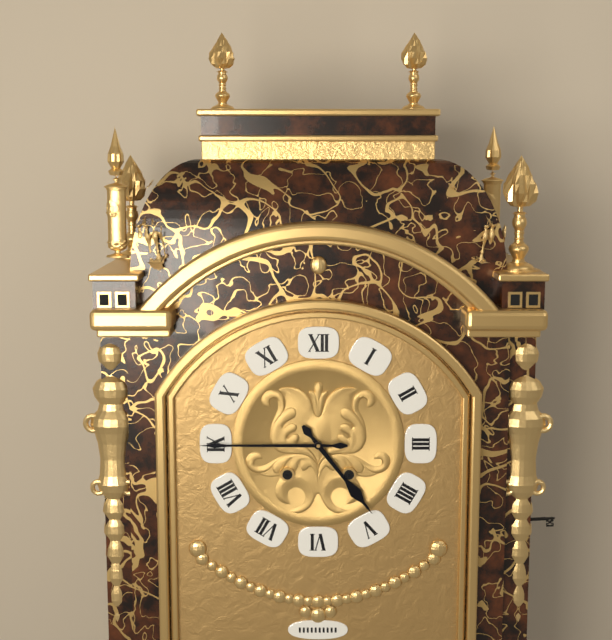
4h45
